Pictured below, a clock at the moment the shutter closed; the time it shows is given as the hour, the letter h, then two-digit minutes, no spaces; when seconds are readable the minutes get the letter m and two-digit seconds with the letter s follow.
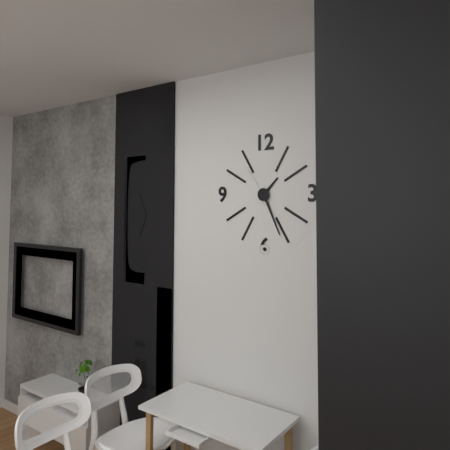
1h26
